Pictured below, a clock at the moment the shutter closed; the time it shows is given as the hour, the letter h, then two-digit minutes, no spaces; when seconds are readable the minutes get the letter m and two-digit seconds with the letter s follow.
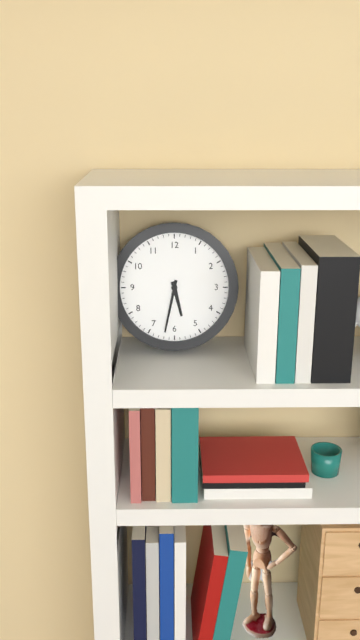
5h32
